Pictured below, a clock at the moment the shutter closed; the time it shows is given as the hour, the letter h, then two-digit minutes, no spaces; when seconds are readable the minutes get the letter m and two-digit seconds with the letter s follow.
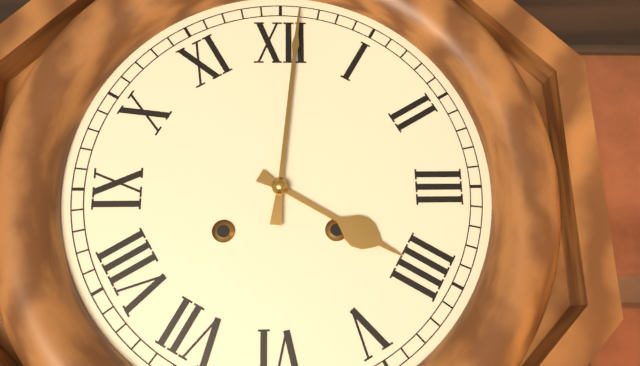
4h01
